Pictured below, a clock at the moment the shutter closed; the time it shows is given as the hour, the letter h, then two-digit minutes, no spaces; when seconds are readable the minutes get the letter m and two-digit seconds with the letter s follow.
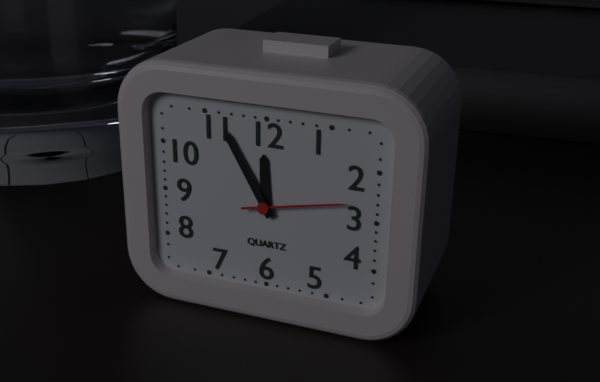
11h55m13s
